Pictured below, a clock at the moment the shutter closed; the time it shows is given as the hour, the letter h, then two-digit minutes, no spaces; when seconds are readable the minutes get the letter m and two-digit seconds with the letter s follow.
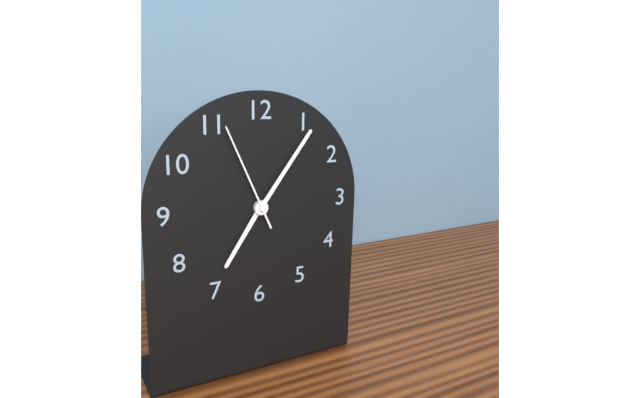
7h06m56s
